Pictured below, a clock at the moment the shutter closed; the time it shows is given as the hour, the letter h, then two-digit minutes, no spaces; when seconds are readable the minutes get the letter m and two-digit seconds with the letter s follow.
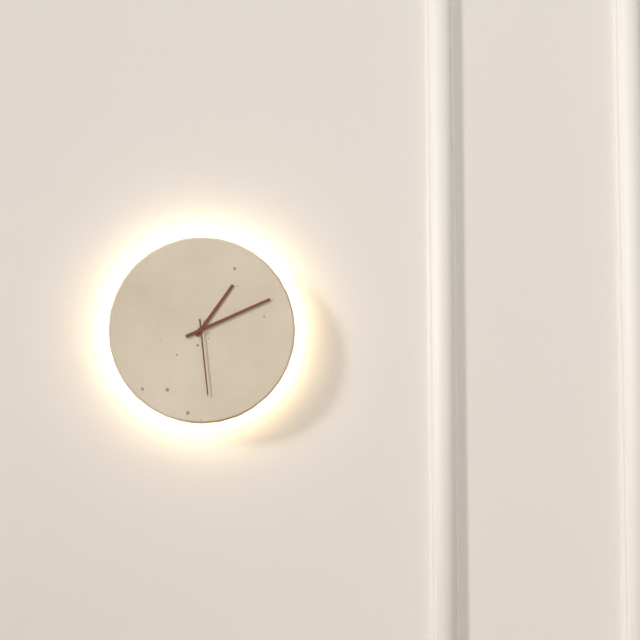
1h11m29s
